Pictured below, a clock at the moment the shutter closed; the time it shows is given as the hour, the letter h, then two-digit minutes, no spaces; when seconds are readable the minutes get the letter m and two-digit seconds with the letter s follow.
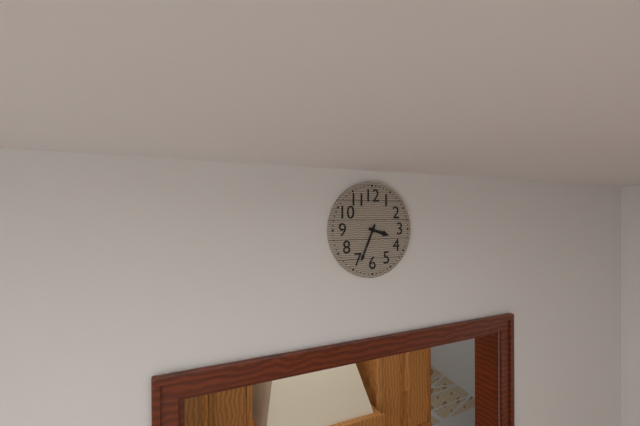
3h34
